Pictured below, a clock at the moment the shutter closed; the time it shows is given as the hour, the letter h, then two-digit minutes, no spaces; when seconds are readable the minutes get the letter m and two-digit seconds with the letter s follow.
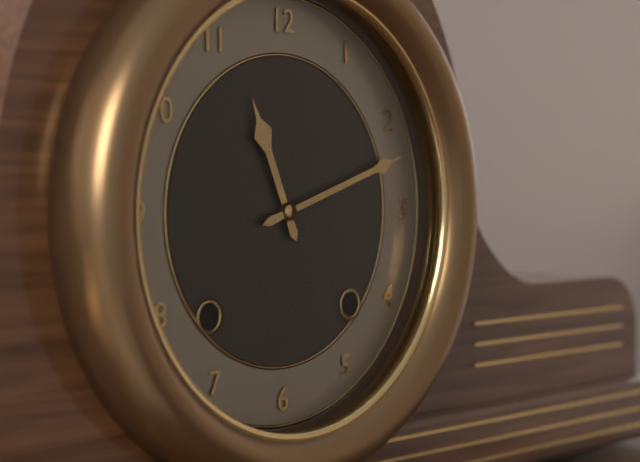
11h12
